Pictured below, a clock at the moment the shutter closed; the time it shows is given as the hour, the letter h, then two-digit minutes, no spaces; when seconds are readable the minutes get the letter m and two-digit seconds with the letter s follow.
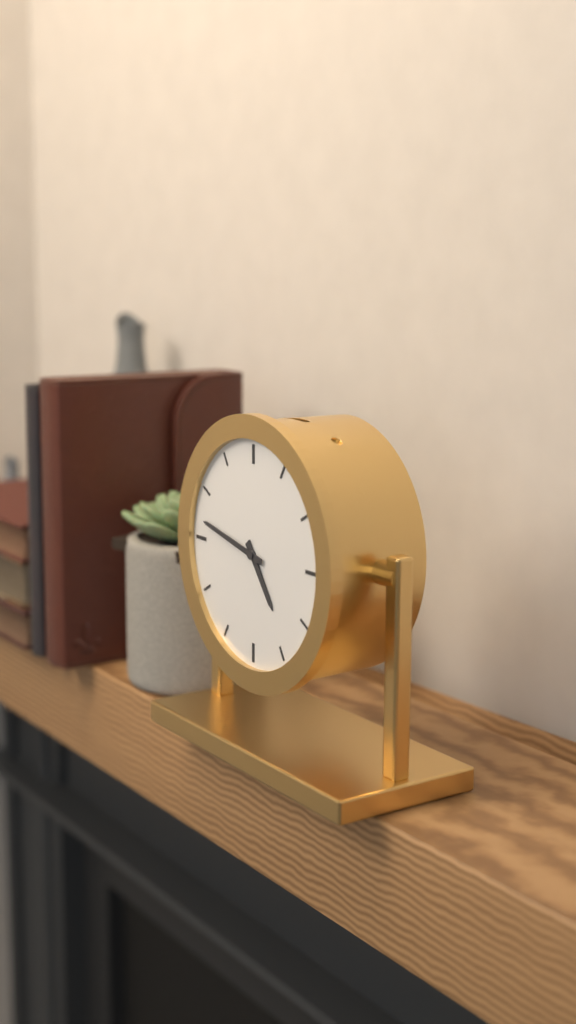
4h47
